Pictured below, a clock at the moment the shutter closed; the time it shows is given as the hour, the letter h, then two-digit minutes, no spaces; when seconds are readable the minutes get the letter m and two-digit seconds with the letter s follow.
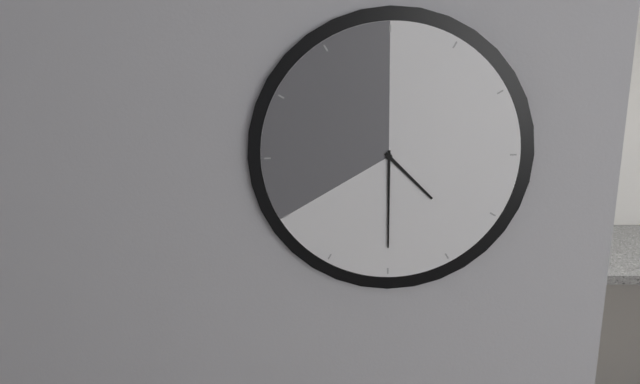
4h30
